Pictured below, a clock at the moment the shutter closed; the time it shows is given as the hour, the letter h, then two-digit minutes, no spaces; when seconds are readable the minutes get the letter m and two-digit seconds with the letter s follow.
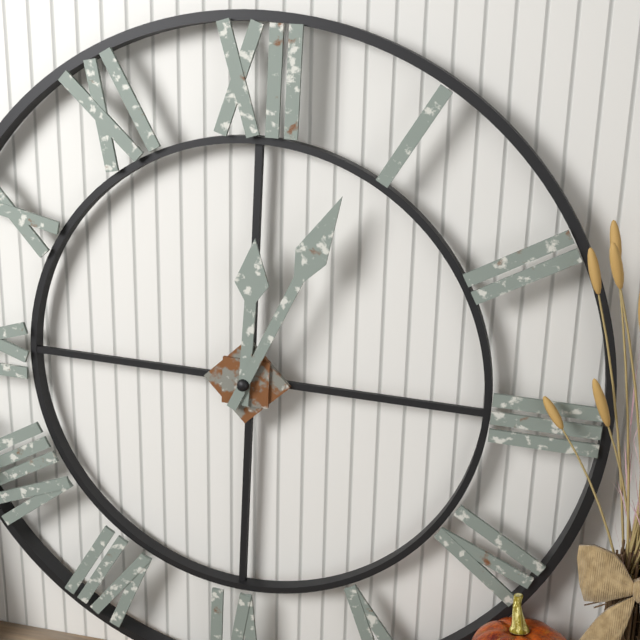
12h04
